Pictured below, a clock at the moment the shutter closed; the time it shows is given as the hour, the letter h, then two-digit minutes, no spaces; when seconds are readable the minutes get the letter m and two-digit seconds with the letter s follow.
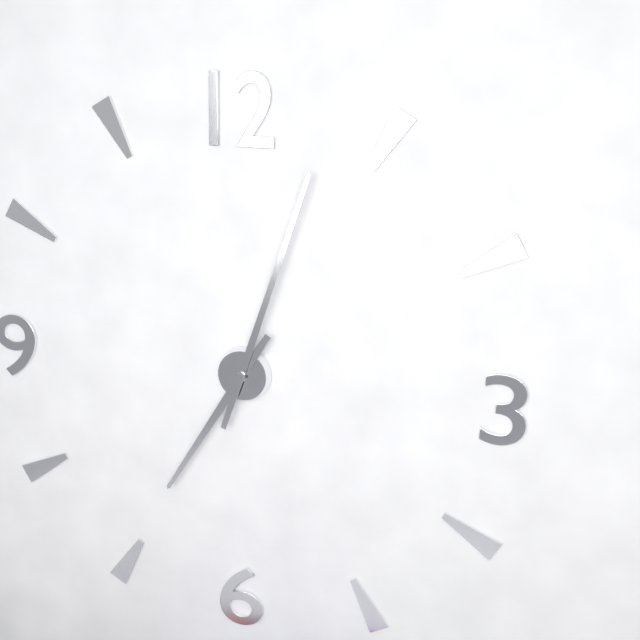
7h03
